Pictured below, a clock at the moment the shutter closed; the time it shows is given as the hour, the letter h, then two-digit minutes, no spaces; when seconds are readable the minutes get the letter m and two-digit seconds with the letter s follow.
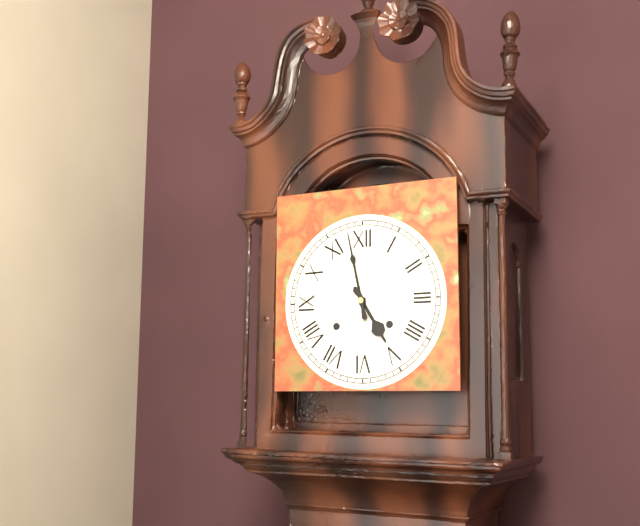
4h58
